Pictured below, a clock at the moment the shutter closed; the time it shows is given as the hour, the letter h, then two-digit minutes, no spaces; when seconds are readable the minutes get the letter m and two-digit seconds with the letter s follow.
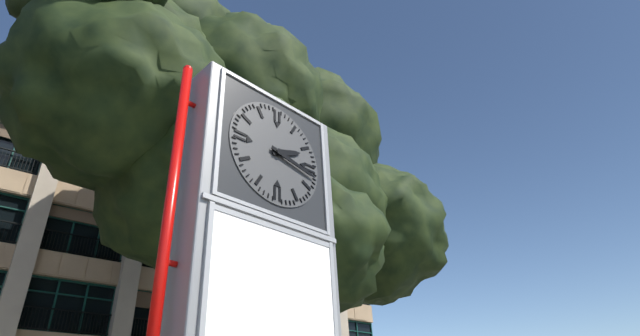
2h17
